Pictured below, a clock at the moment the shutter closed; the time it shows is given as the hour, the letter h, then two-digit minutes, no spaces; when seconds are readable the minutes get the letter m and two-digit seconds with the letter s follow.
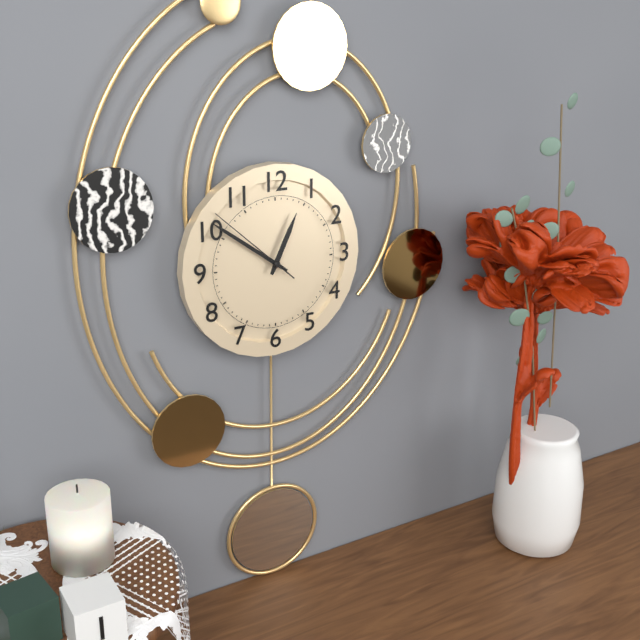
12h51m52s
